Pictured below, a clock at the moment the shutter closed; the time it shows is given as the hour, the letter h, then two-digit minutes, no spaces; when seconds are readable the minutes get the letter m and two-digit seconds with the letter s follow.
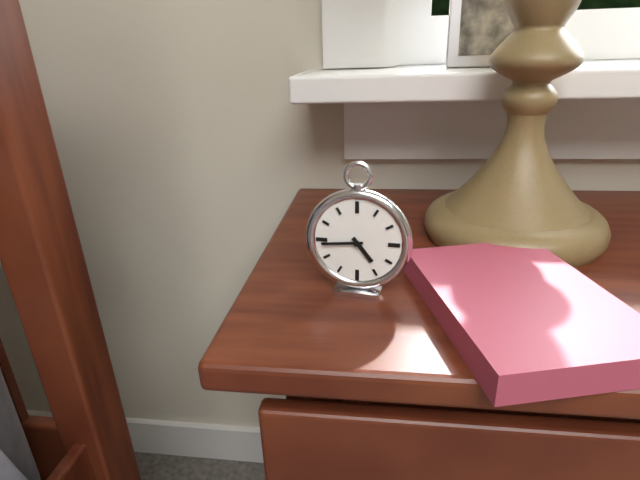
4h44
